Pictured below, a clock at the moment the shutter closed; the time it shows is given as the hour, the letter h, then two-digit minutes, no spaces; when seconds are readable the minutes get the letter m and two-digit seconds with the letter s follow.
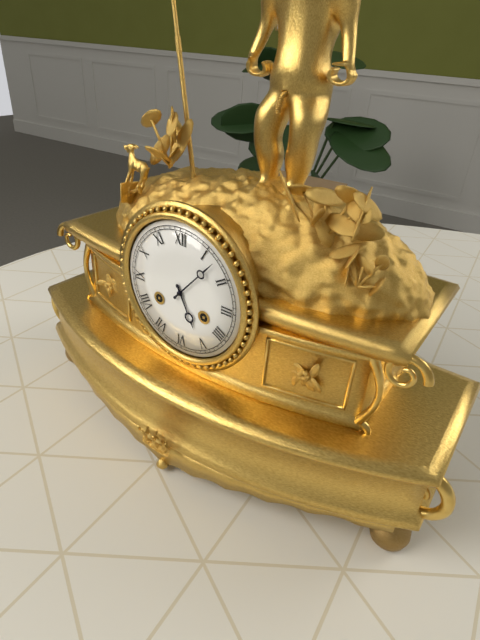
5h07
